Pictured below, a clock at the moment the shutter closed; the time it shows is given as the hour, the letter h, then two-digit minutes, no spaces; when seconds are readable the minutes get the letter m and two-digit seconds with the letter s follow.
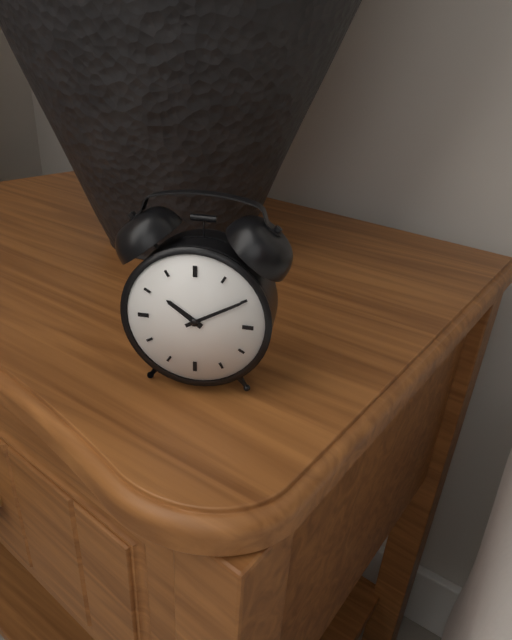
10h10
